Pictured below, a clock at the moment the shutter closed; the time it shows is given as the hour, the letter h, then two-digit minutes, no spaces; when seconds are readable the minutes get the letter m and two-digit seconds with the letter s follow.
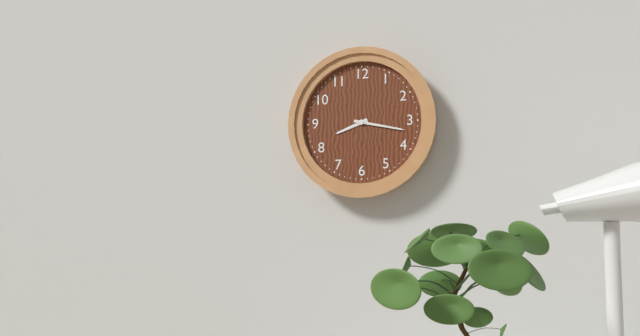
8h17
